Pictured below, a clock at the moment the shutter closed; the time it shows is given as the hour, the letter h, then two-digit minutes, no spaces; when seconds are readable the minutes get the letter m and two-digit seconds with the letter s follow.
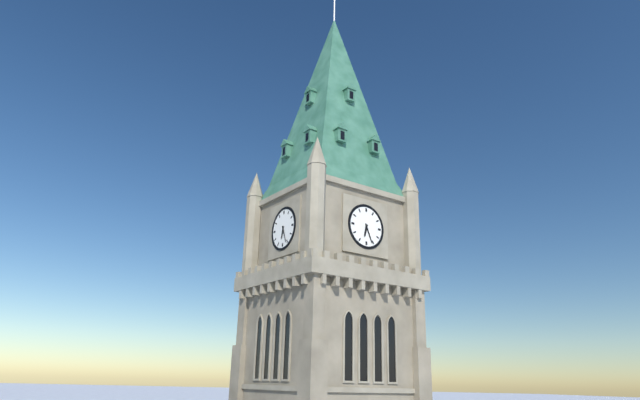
6h26
